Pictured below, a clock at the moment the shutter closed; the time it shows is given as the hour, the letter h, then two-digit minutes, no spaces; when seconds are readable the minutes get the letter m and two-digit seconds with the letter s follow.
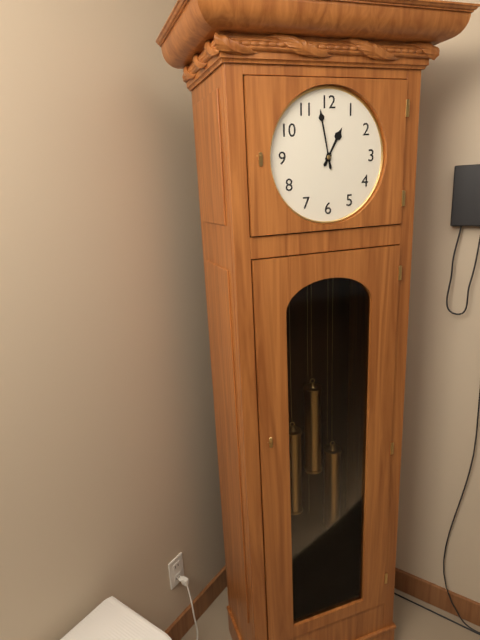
12h58
